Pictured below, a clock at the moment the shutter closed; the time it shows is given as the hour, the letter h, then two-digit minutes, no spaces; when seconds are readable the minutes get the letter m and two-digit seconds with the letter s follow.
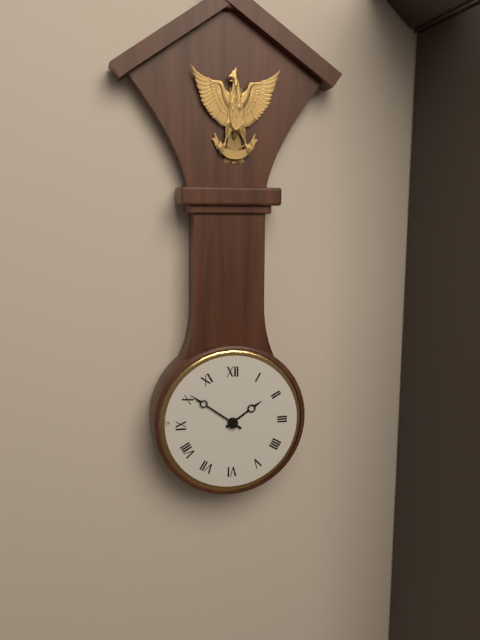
1h51
